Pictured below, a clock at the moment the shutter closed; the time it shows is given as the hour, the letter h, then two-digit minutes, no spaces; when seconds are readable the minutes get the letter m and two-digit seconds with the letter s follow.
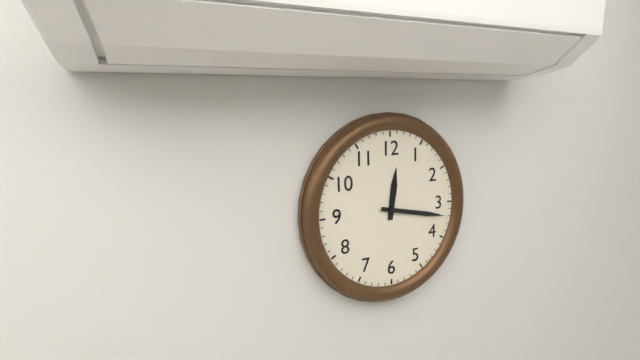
12h17
